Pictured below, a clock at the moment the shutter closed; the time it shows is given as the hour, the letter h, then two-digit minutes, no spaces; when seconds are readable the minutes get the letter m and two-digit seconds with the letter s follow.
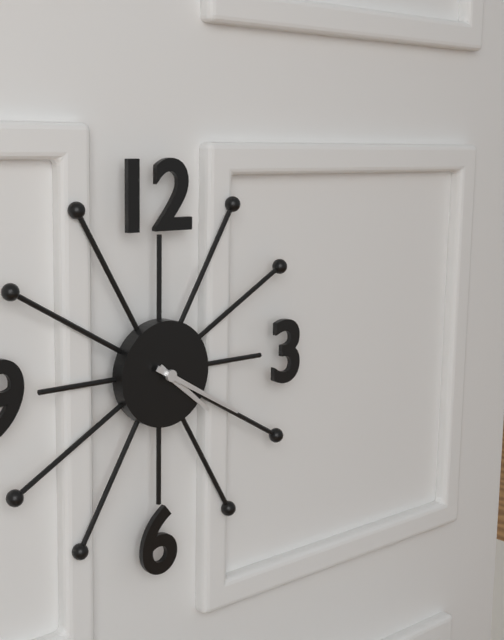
4h20
